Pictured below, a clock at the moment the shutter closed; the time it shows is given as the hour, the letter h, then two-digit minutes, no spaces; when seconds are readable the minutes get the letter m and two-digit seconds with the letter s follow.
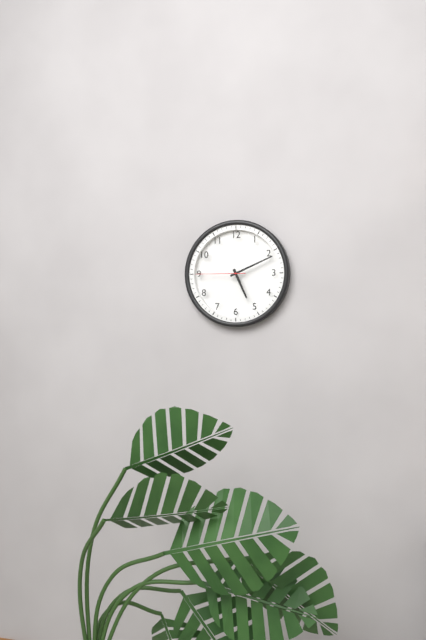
5h11m45s
